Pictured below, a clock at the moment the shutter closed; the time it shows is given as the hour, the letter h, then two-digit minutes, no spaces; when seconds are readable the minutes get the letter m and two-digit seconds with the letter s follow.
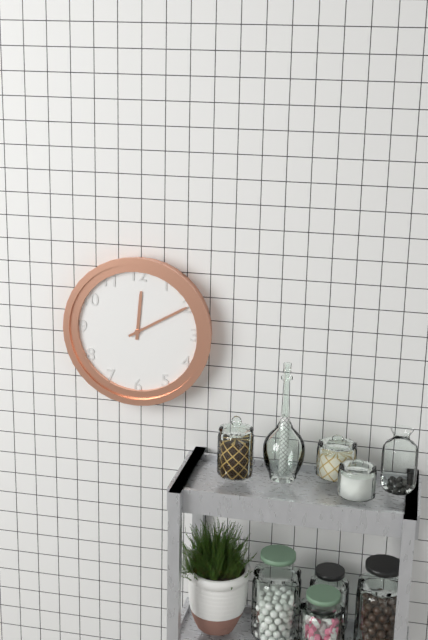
12h10
